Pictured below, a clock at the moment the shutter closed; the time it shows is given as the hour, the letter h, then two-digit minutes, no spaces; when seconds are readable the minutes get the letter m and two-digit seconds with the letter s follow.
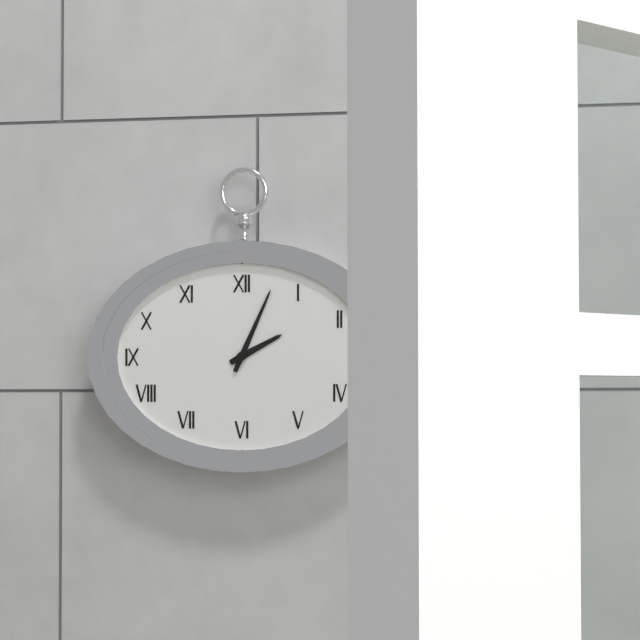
2h04
